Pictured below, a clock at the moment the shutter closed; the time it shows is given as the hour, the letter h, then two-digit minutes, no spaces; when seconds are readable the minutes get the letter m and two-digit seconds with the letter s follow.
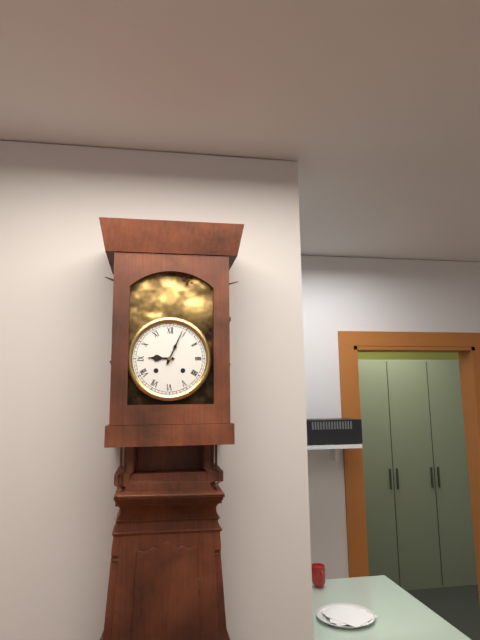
9h04
